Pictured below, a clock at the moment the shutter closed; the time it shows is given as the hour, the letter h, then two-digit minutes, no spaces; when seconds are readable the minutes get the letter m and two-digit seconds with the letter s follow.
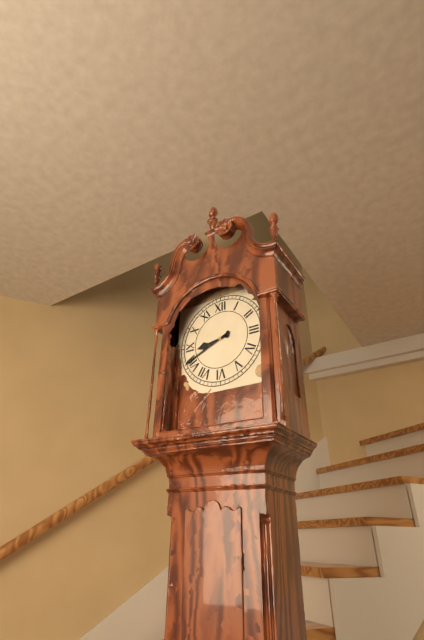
8h41
